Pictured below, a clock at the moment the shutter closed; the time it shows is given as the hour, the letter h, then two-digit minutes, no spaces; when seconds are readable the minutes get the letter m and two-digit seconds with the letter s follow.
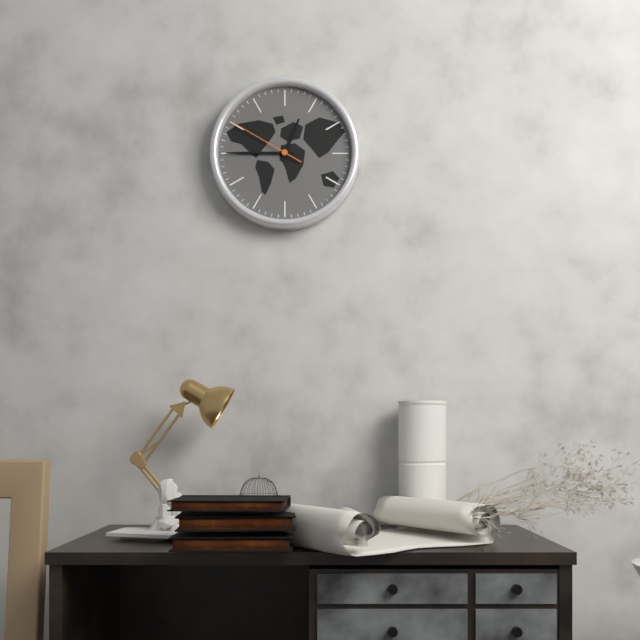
12h45m50s
